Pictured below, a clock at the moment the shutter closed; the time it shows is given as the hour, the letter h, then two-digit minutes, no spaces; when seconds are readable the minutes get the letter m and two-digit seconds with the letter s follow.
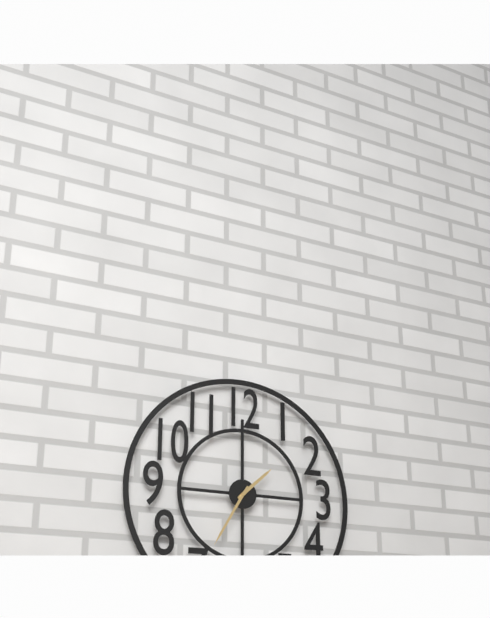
1h35
